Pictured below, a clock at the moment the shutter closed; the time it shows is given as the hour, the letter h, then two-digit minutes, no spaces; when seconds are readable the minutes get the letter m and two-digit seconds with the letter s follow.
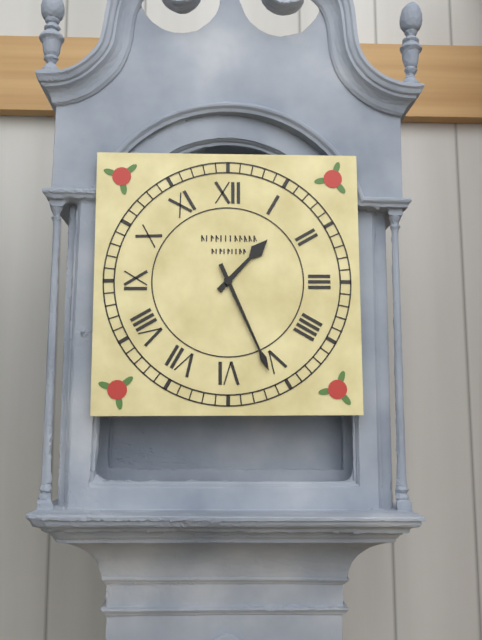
1h26
